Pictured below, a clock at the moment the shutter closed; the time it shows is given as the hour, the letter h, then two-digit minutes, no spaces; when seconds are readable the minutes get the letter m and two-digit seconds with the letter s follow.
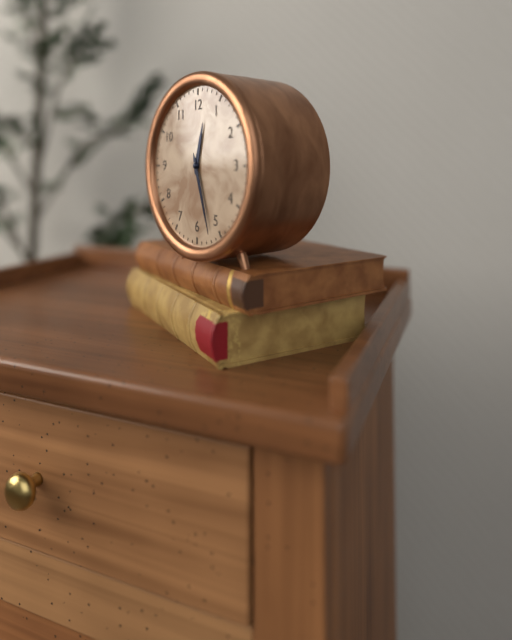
12h27
